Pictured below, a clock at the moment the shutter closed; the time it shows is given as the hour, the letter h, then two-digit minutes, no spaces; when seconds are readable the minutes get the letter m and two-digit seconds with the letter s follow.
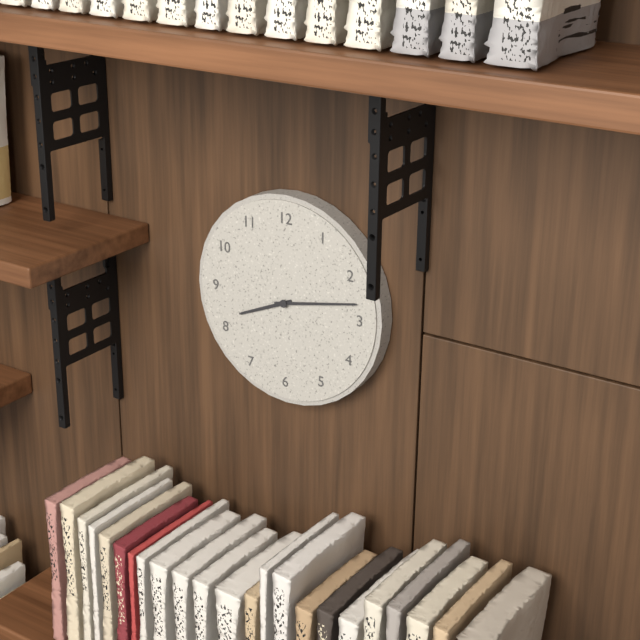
8h13
